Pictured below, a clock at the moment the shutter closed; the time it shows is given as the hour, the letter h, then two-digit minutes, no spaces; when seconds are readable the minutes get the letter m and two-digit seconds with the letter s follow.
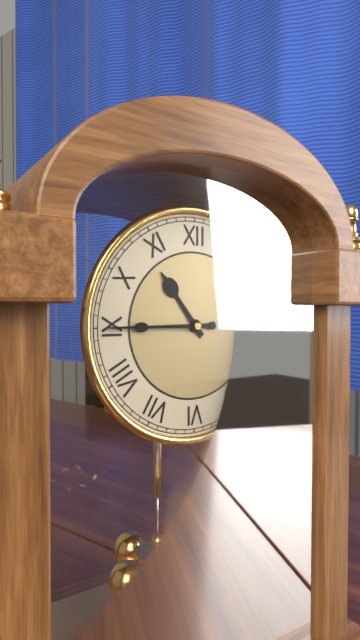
10h45
